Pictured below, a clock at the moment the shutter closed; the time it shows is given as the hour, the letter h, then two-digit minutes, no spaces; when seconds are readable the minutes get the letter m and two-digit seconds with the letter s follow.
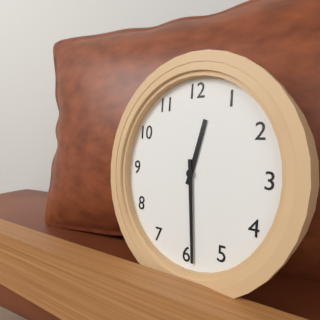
12h29
